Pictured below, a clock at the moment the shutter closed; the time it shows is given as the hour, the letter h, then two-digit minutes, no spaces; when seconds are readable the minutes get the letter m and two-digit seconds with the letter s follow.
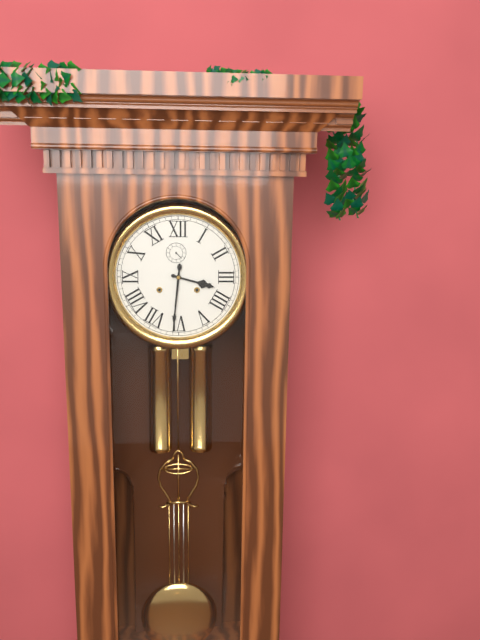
3h31
